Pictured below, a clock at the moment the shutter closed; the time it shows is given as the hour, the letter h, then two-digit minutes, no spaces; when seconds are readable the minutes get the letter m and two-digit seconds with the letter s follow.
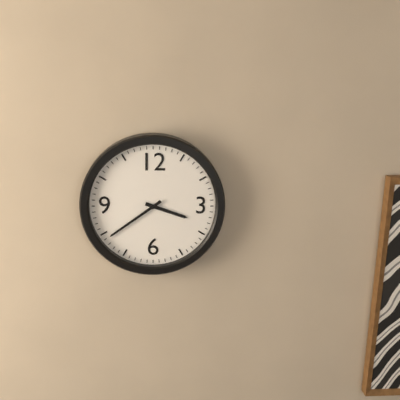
3h39
